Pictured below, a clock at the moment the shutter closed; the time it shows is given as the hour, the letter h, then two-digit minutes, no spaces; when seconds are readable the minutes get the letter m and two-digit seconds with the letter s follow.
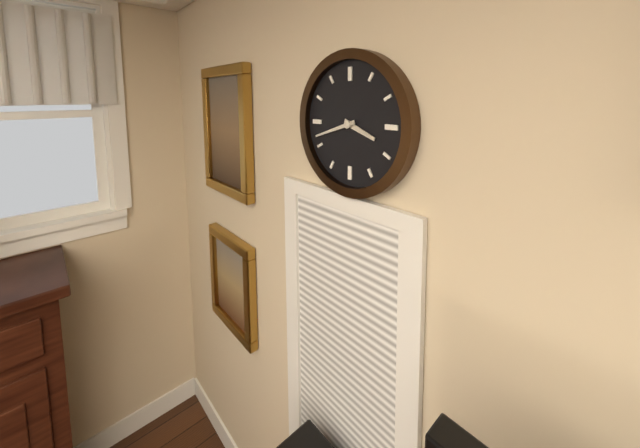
3h42
